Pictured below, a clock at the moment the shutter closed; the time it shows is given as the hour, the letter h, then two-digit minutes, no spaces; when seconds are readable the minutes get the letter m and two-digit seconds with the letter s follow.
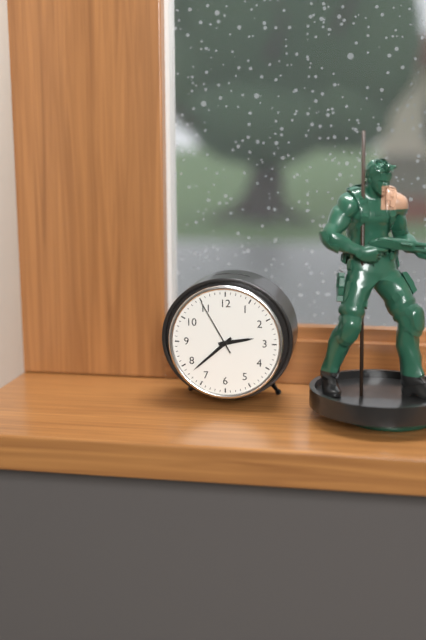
2h38m55s
